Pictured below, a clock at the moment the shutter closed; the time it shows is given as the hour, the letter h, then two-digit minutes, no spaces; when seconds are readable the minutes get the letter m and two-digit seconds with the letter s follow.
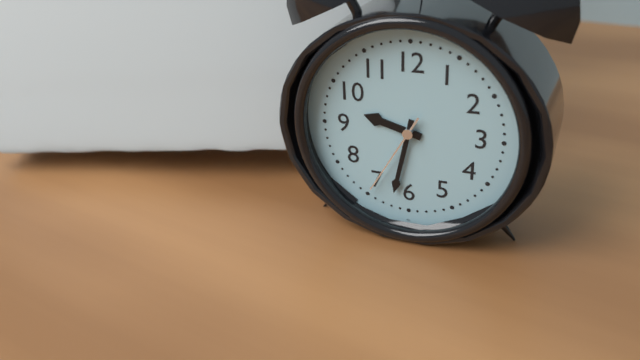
9h32m35s
